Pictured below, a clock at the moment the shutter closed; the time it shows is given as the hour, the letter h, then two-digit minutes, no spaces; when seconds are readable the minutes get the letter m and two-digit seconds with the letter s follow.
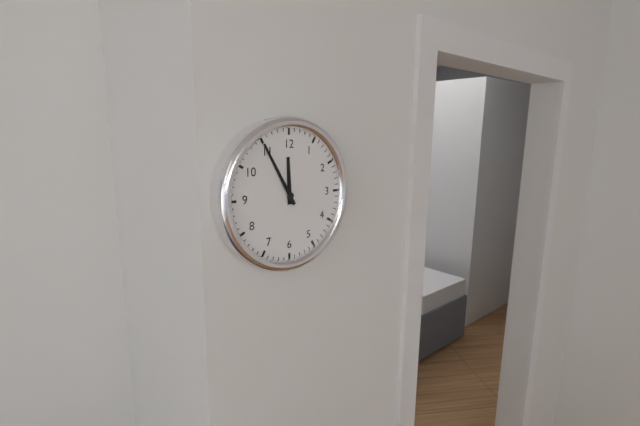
11h55
